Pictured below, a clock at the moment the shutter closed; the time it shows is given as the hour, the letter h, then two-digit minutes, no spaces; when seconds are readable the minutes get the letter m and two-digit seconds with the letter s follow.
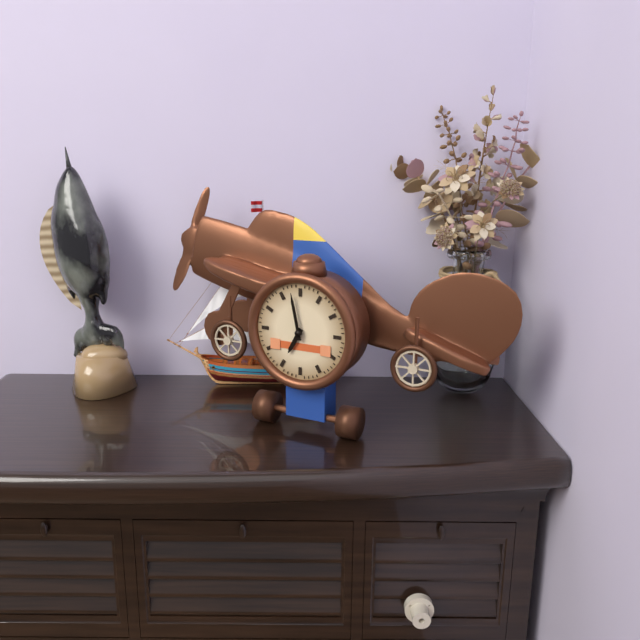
6h58
